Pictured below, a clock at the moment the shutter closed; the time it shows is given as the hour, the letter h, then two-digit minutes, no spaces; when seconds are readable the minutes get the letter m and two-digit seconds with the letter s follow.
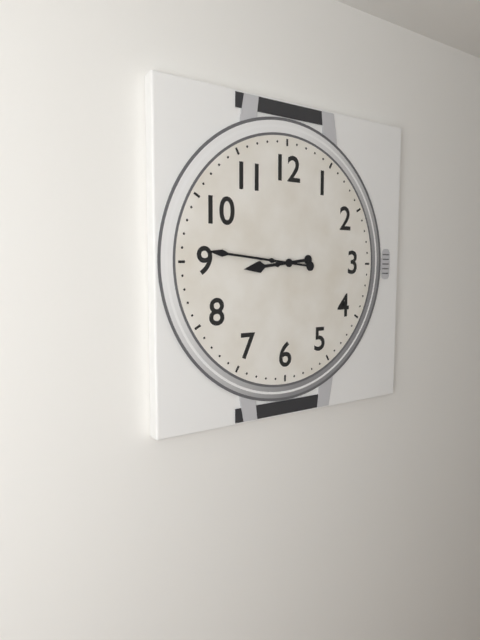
8h46
